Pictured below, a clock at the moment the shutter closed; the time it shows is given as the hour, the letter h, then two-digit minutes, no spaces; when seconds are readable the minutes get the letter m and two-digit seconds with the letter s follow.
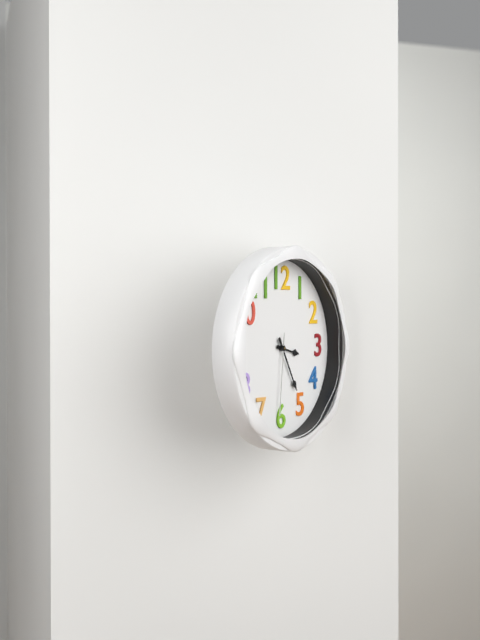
3h25m31s
